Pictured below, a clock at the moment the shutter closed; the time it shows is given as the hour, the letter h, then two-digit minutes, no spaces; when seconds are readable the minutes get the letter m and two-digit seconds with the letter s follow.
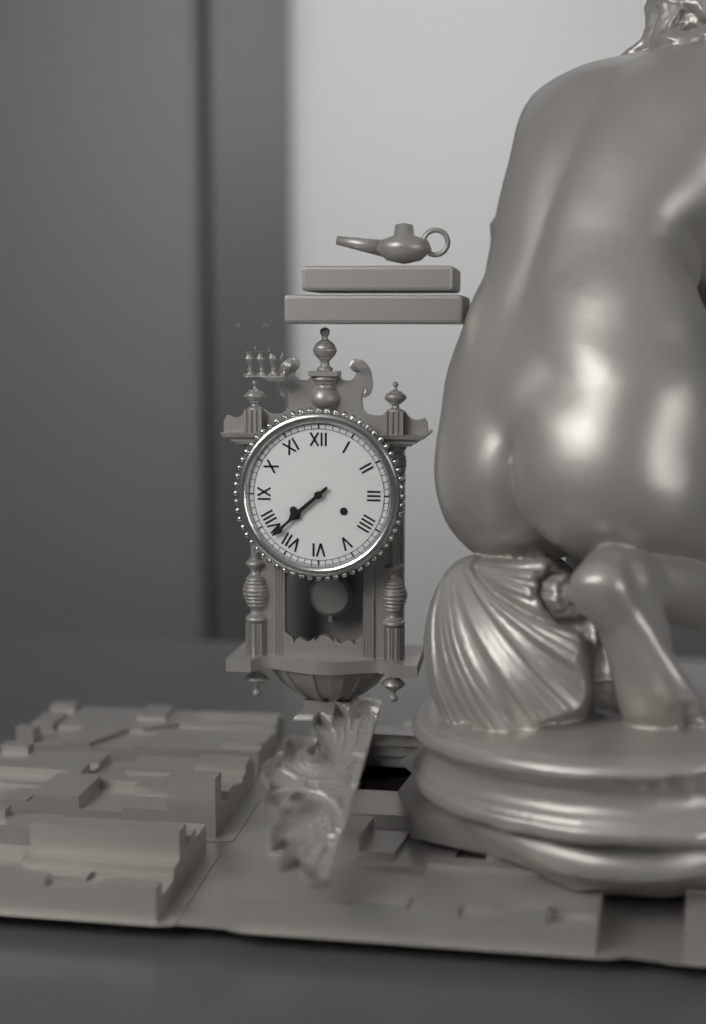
7h38
